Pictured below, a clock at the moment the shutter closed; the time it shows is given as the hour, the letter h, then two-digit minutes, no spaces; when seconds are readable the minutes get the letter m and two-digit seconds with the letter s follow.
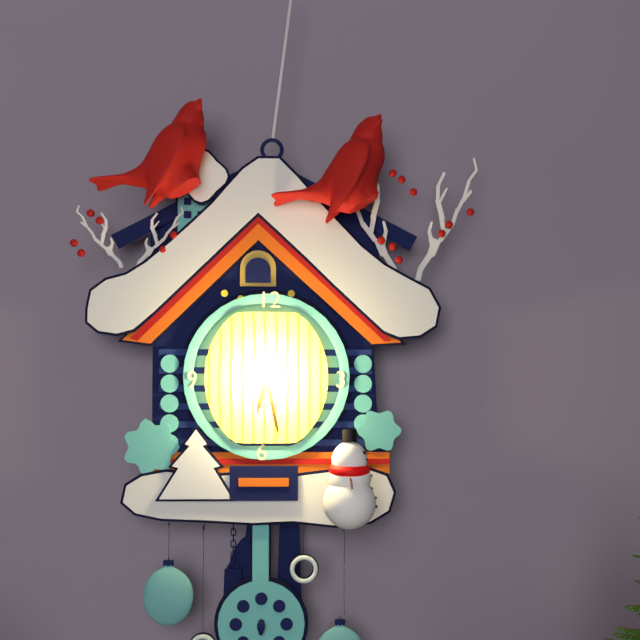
6h28
